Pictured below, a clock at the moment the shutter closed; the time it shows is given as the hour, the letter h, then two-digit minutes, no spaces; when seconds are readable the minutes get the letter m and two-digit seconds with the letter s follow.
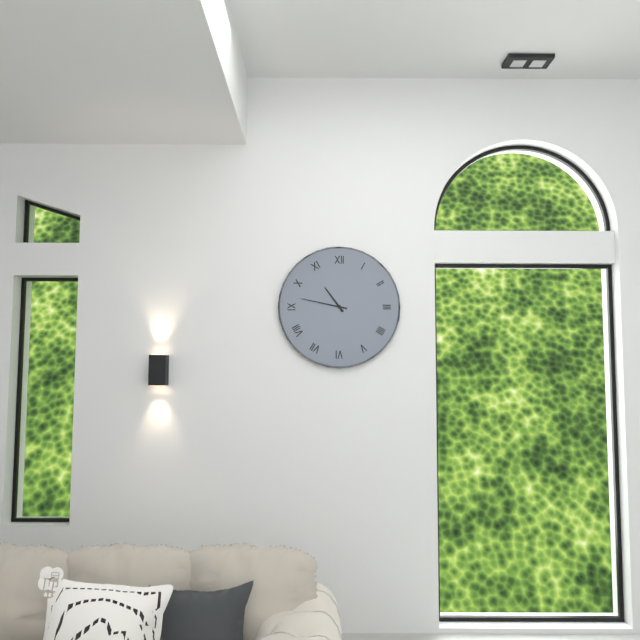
10h47
